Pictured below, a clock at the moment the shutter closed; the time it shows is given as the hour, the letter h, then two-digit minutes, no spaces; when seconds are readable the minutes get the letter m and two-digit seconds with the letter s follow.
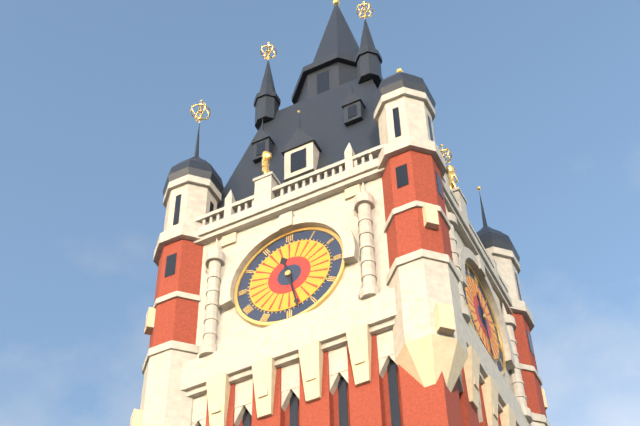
11h28
